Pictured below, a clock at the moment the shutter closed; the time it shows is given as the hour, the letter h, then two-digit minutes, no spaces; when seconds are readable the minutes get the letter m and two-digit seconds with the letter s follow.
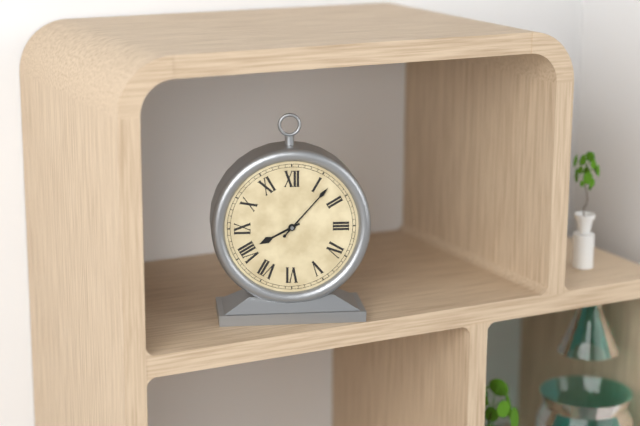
8h07
